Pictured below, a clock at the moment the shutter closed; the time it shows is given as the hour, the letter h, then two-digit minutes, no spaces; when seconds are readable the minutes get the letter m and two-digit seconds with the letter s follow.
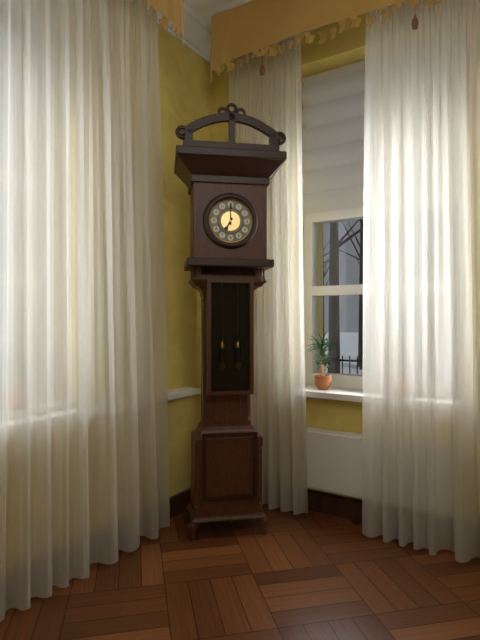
7h00
